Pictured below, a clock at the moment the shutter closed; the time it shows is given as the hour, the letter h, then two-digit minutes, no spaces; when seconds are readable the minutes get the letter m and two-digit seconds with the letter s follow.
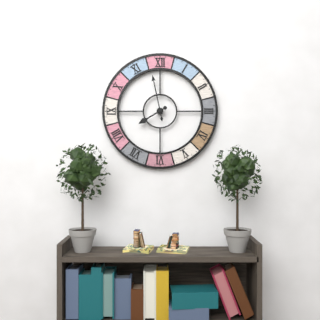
7h58
